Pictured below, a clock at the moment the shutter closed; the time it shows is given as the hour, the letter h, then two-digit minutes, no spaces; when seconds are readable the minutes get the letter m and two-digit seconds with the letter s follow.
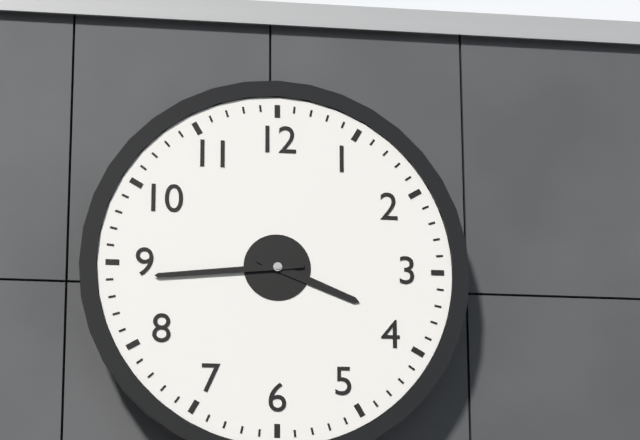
3h44
